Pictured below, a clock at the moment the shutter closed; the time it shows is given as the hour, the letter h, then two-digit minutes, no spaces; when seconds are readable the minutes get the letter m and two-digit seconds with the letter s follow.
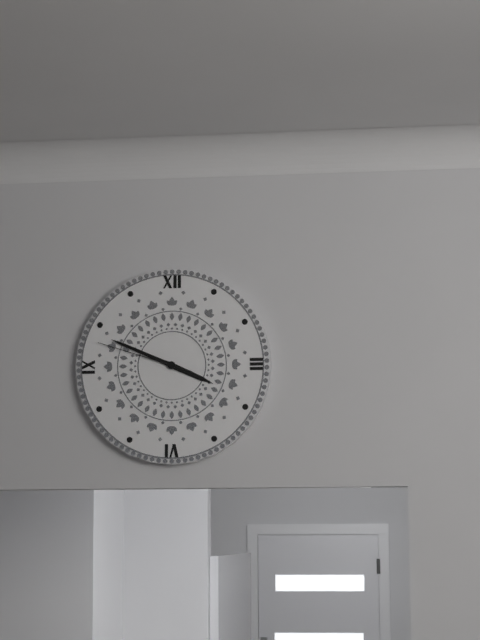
3h49m48s
